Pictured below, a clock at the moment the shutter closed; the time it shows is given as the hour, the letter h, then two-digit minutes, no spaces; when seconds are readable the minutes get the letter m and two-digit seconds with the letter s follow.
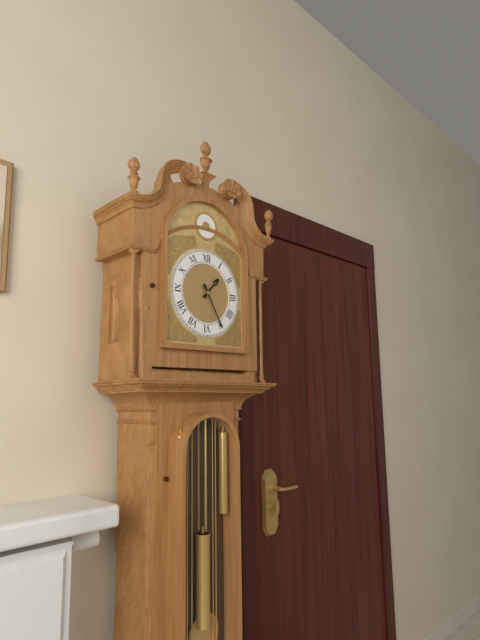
1h25
